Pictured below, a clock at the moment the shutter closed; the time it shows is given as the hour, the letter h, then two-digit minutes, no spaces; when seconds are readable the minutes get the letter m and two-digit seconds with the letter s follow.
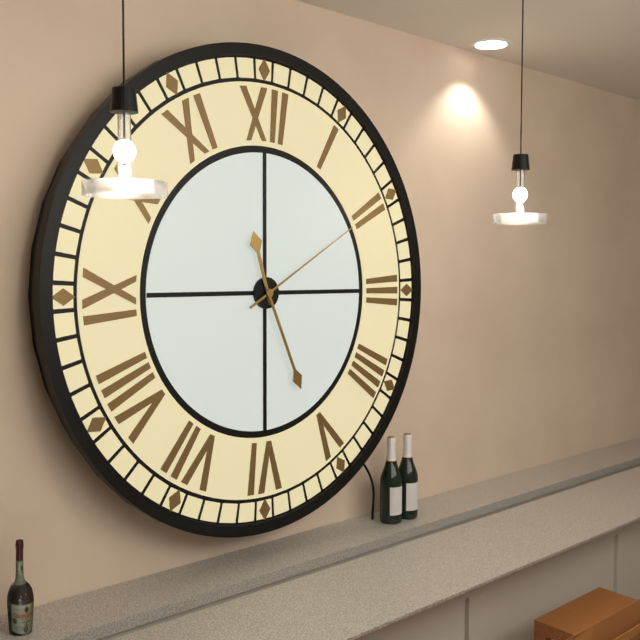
11h26m10s
